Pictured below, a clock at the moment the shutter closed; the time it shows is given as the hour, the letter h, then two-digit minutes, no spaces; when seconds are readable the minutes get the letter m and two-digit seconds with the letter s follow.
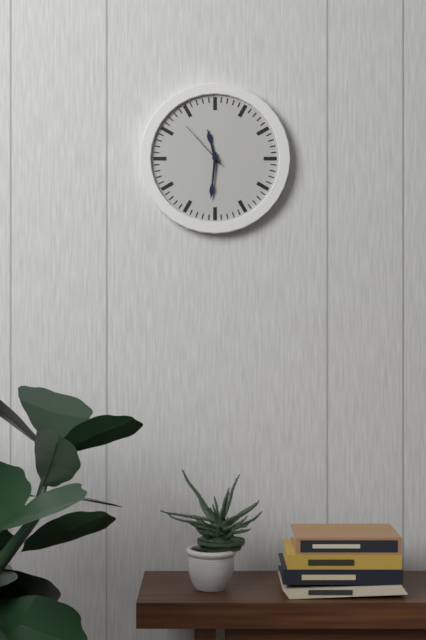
11h31m53s
